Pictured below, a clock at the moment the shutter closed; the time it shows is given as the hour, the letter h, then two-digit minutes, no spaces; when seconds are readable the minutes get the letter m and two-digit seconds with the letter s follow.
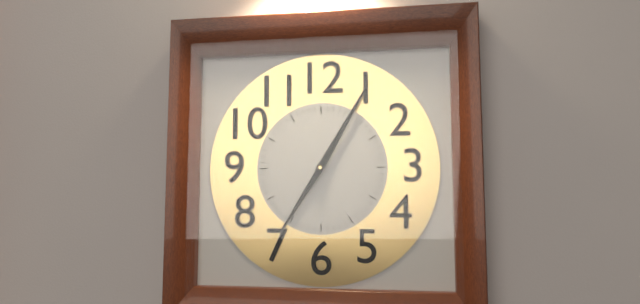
7h05
